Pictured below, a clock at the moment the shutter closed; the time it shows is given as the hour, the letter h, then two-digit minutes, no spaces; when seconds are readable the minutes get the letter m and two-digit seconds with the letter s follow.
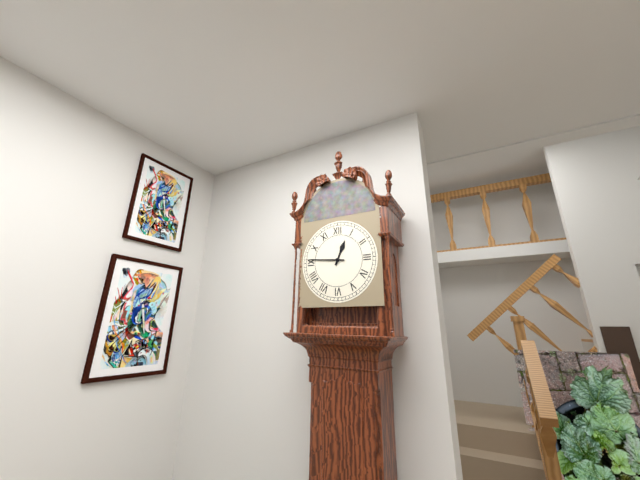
12h46
